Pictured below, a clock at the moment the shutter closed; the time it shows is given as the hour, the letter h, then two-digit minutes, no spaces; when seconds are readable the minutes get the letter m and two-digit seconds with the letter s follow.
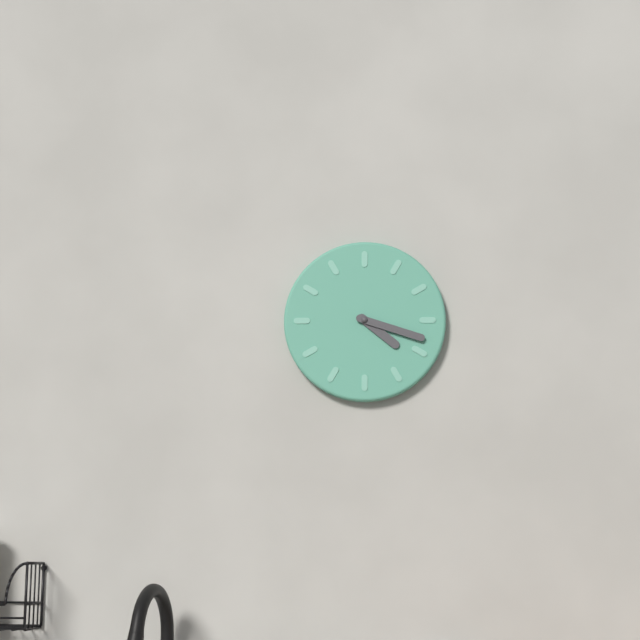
4h18
